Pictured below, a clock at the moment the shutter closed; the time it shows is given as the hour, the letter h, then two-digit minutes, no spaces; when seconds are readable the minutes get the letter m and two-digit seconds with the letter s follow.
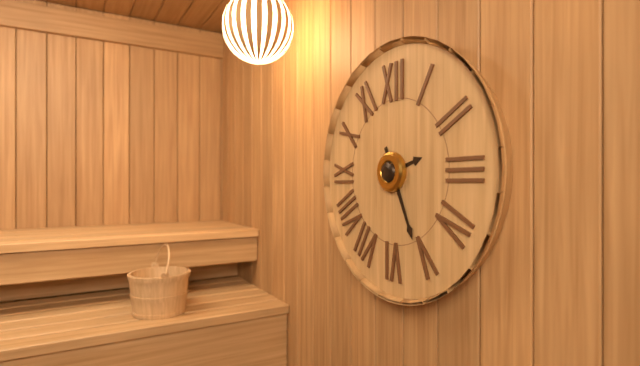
2h26
